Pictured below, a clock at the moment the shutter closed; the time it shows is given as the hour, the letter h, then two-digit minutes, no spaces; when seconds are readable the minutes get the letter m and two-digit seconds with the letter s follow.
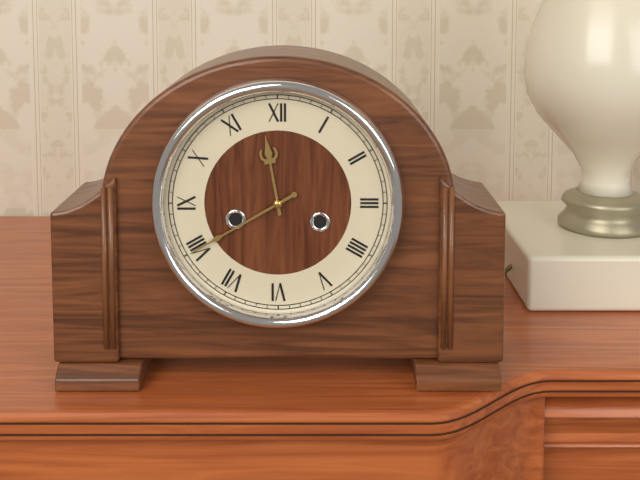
11h40
